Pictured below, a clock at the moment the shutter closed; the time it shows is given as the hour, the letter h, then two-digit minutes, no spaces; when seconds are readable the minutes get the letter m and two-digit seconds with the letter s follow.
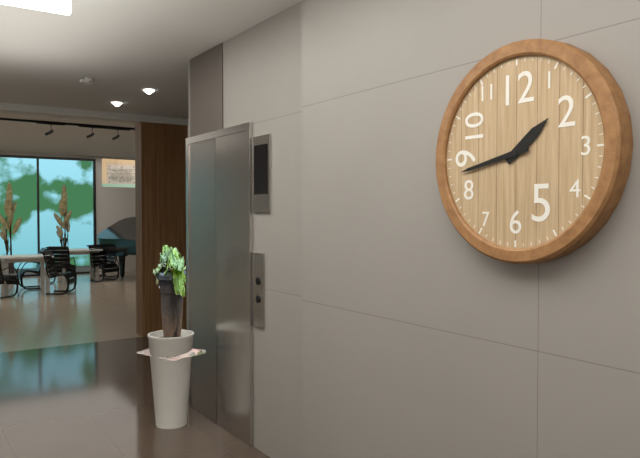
1h43
